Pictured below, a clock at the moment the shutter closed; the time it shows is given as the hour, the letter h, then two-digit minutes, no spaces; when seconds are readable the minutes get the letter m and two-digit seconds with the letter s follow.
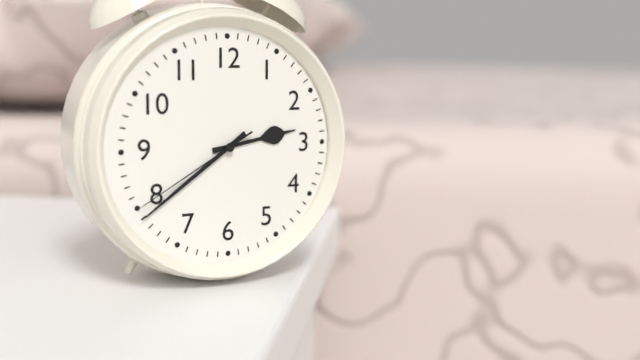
2h39m40s
